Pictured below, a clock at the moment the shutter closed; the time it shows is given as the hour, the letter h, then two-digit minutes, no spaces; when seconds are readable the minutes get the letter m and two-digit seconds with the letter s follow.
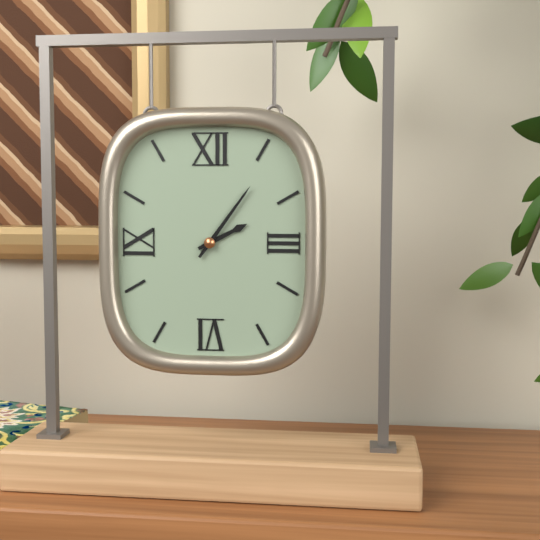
2h06
